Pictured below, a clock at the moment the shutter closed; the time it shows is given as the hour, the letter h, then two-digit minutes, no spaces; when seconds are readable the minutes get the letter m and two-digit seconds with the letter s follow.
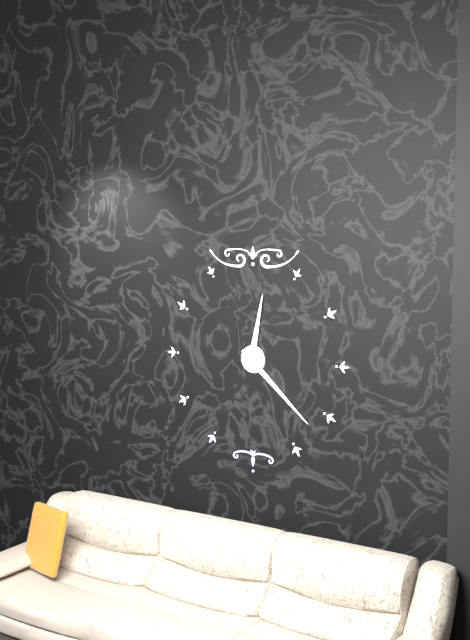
12h22
